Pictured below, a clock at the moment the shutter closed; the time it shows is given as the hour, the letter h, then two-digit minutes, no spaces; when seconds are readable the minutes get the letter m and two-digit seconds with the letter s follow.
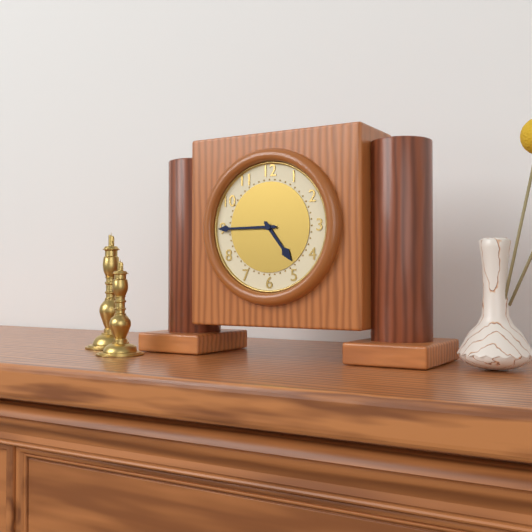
4h45
